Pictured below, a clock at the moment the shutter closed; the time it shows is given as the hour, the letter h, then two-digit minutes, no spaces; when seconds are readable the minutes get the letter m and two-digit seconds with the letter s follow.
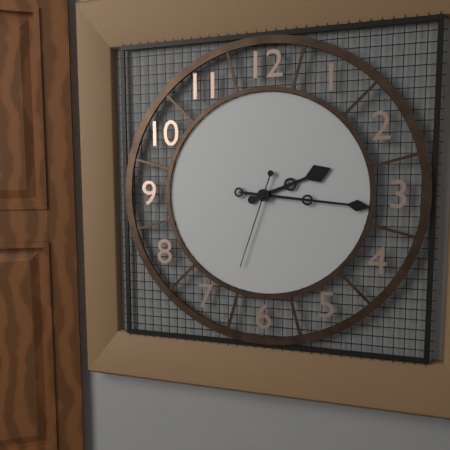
2h16m33s
